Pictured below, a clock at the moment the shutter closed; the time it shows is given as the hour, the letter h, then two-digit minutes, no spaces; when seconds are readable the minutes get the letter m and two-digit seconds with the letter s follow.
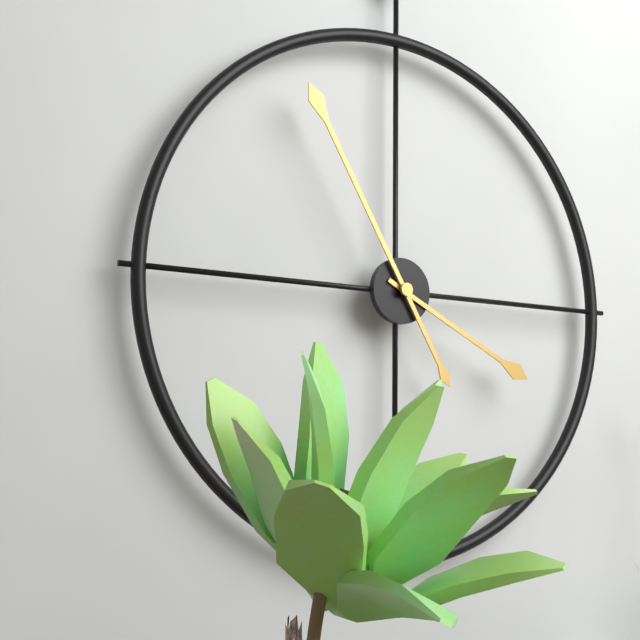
3h55
